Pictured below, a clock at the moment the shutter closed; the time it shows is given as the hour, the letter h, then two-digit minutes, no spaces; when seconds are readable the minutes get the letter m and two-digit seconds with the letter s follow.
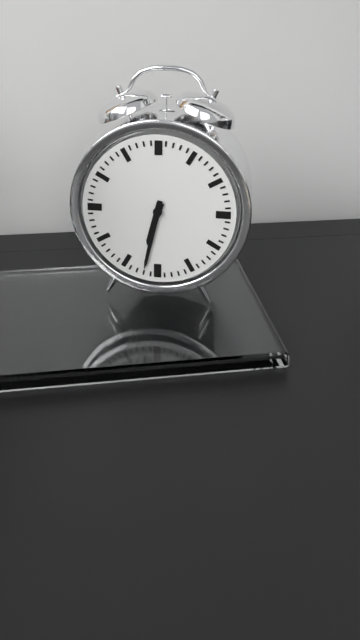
6h32
